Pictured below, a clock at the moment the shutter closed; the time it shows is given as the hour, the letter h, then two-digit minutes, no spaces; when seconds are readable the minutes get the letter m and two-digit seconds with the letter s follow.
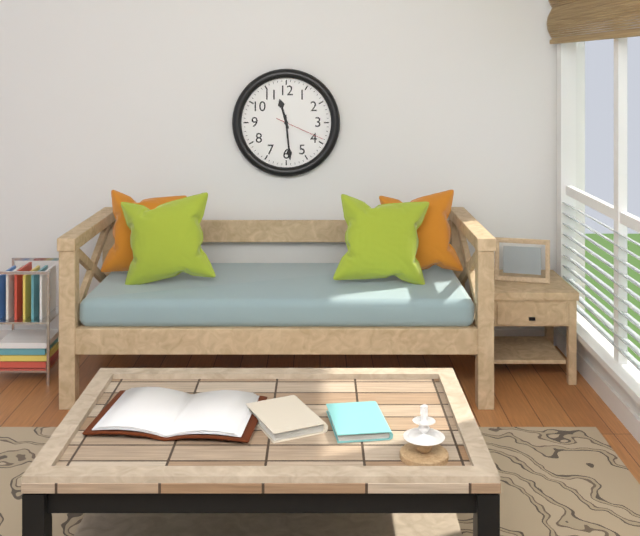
11h29m19s
